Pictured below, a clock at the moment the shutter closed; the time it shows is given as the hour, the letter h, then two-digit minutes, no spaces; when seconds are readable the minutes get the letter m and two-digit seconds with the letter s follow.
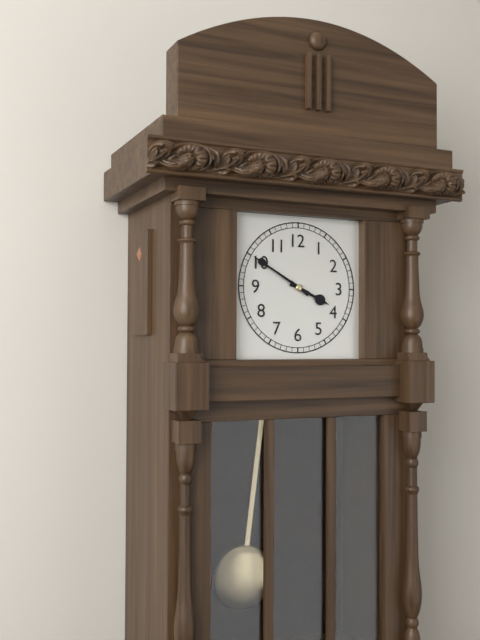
3h50
